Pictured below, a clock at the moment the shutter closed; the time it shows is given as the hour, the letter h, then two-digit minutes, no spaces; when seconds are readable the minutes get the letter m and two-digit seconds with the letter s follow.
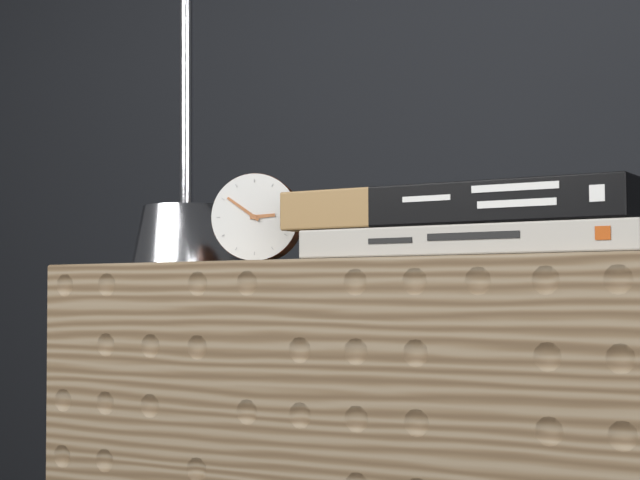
2h51
